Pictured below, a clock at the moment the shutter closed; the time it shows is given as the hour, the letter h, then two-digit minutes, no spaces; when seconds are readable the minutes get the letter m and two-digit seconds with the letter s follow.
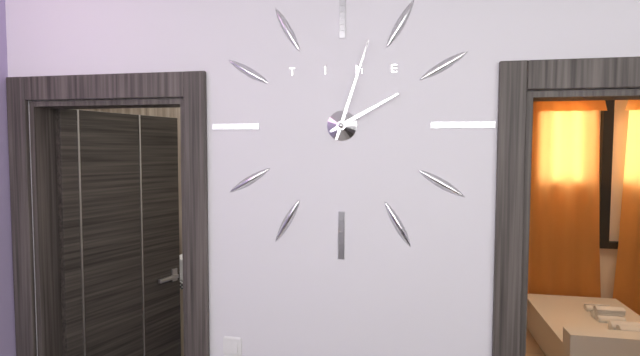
2h03
